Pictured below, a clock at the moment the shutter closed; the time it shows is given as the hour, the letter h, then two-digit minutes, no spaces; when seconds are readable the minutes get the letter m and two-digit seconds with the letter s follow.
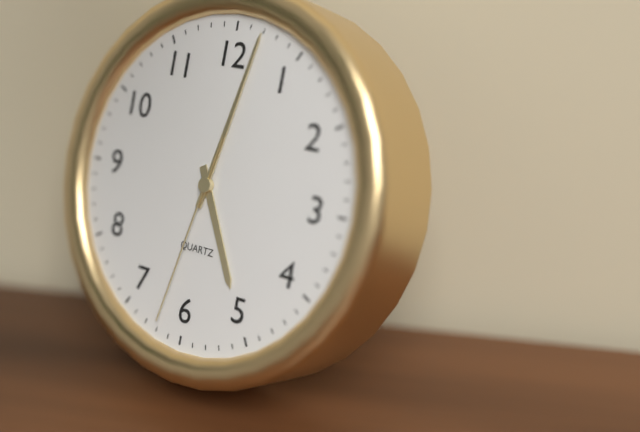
5h02m32s
